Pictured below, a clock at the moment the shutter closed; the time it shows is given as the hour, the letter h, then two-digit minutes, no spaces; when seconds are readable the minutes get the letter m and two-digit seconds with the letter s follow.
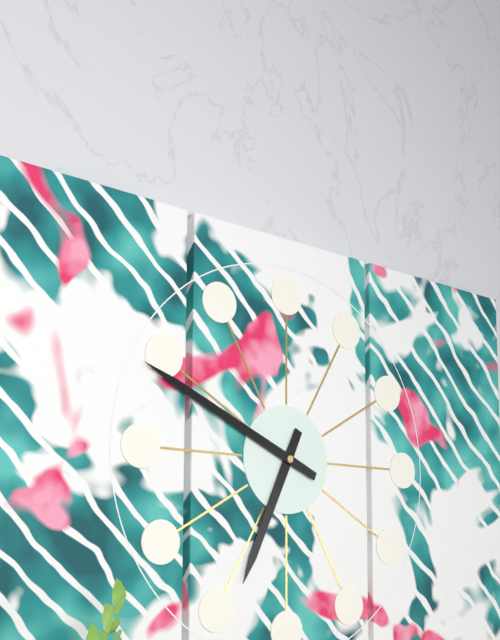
6h49
